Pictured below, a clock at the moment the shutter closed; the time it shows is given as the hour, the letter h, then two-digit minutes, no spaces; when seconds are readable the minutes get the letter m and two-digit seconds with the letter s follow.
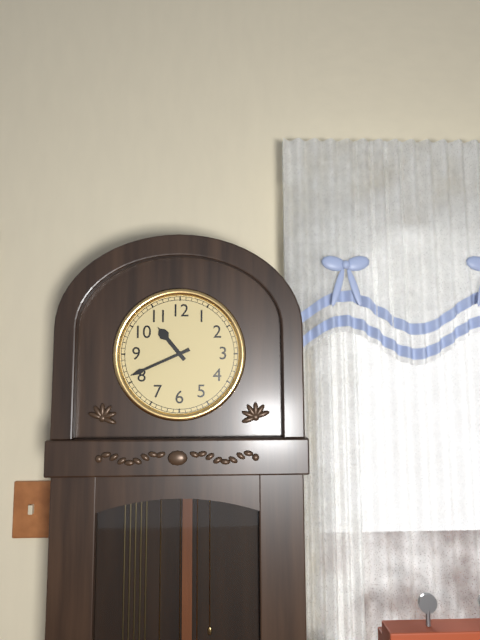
10h41
